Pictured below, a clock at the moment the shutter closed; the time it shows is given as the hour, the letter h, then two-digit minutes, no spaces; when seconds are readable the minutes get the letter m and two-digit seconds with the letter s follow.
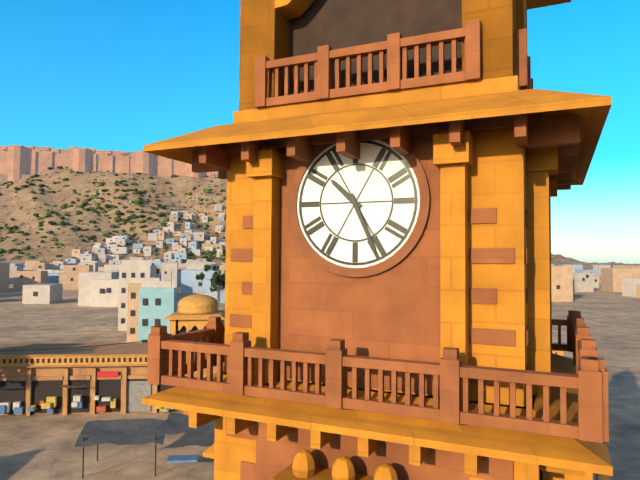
10h26
